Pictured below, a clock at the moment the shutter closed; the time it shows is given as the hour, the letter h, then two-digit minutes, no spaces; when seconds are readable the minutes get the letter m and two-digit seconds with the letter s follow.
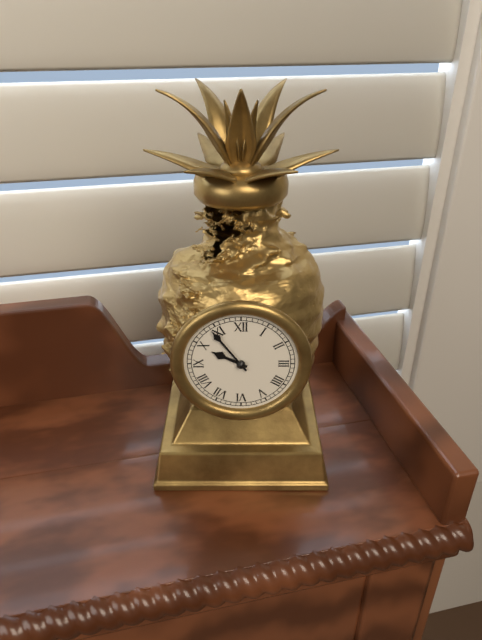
9h54
